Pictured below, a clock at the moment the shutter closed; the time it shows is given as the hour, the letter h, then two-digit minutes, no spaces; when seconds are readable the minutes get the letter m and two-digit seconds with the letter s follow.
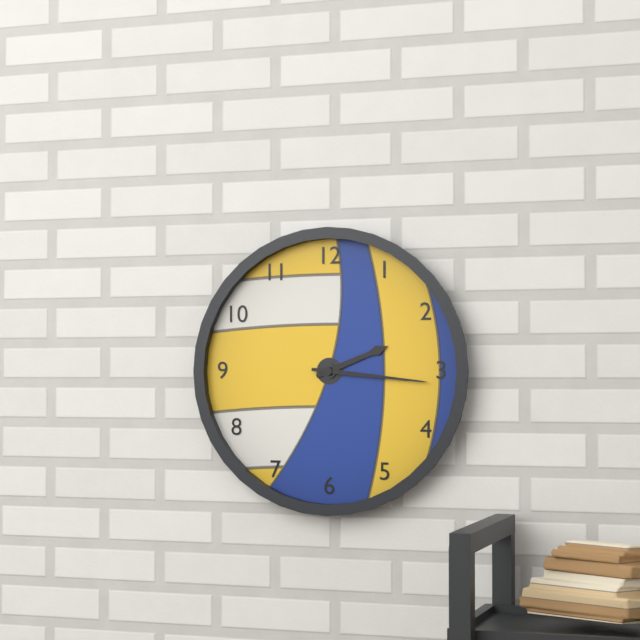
2h16
